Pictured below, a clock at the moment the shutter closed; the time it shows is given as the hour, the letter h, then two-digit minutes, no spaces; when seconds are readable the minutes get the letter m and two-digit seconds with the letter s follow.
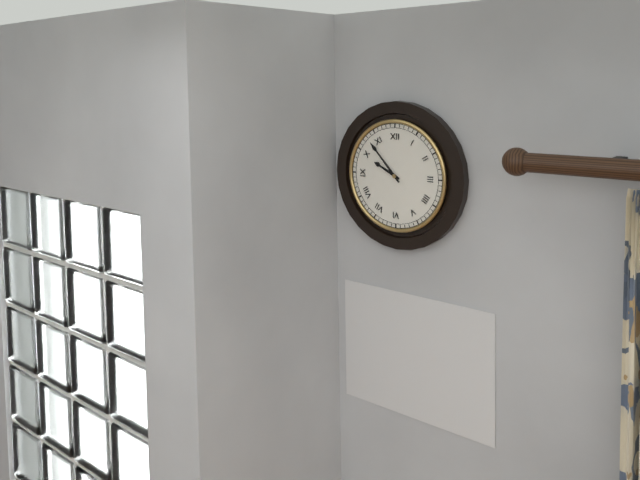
9h53
